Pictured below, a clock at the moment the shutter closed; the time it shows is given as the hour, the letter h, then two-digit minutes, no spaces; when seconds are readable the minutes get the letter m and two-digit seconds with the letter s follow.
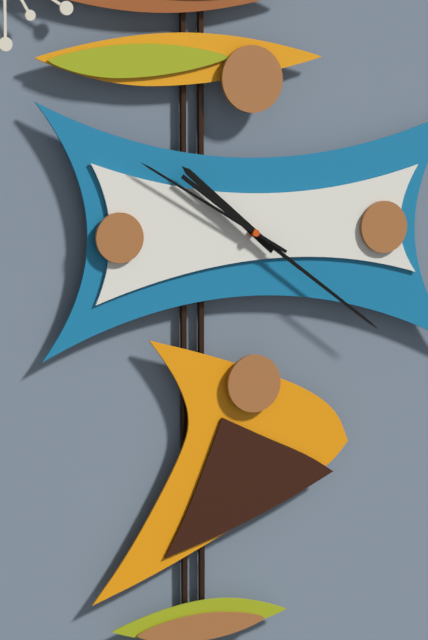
10h21m50s
